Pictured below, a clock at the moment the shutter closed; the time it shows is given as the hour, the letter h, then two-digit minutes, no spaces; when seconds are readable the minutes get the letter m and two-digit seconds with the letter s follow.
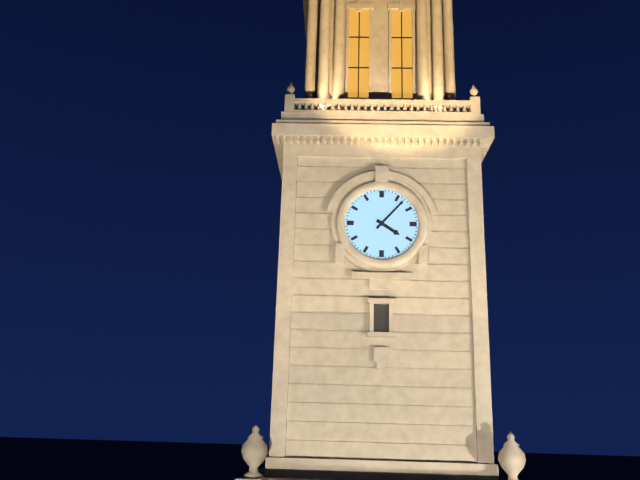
4h07
